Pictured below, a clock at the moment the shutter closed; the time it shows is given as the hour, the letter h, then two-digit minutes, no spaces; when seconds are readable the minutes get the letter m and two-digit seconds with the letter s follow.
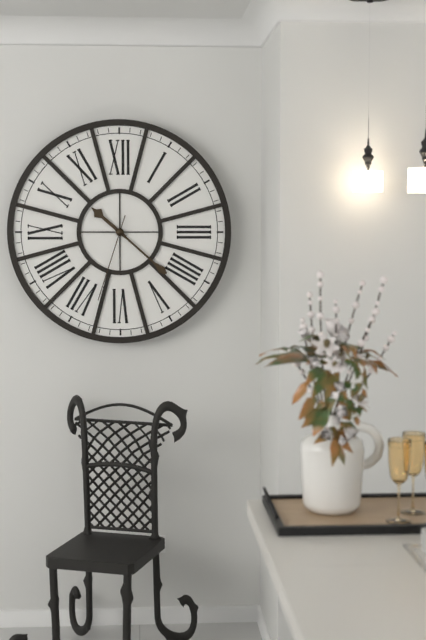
10h22m33s
